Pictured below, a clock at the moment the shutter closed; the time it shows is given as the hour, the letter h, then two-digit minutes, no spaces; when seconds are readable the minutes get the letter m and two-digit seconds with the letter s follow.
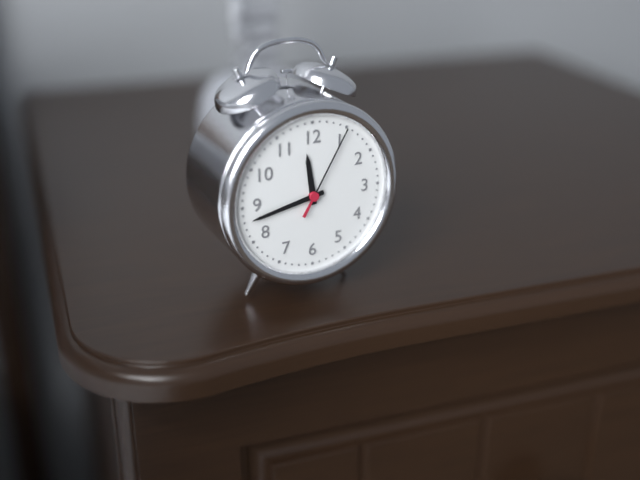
11h43m05s
